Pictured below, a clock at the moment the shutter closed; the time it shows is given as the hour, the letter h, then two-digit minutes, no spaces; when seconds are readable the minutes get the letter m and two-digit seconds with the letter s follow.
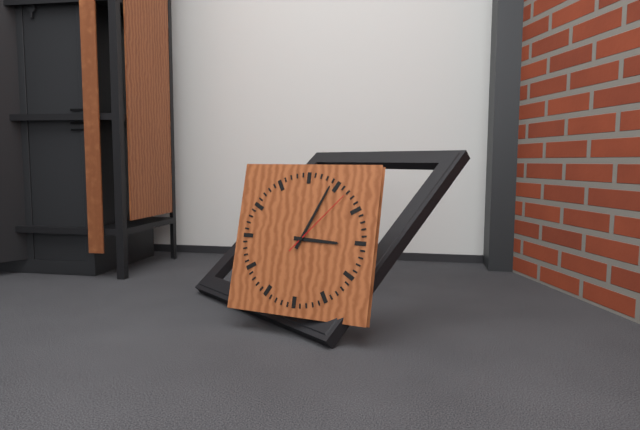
3h04m07s
